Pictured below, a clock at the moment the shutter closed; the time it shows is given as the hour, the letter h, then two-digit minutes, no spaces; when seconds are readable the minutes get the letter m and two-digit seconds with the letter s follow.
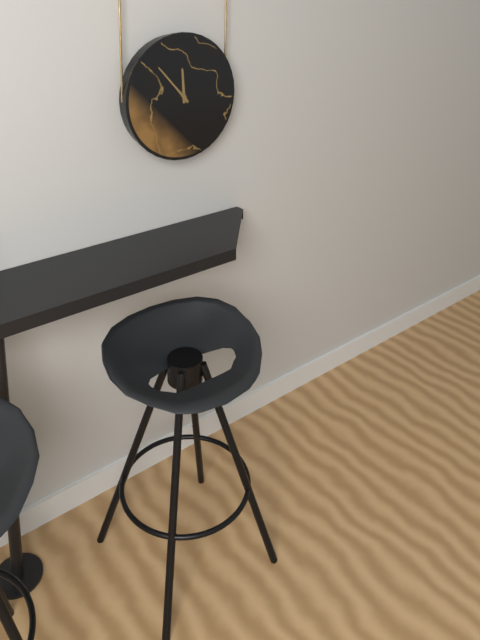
11h53
